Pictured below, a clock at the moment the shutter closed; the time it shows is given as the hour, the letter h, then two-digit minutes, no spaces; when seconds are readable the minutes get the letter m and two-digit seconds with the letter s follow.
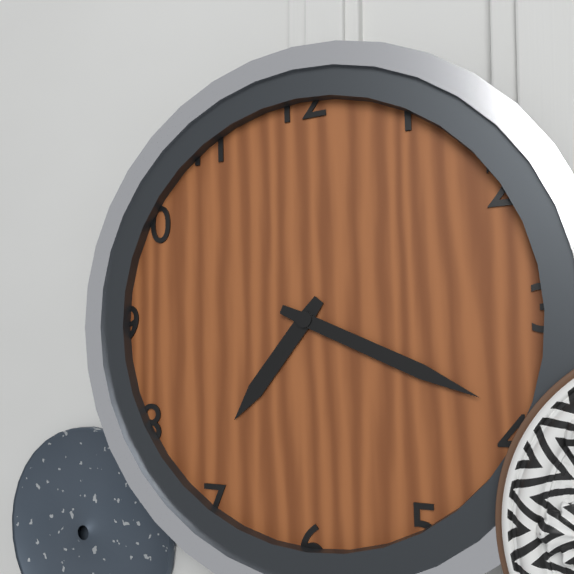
7h19
